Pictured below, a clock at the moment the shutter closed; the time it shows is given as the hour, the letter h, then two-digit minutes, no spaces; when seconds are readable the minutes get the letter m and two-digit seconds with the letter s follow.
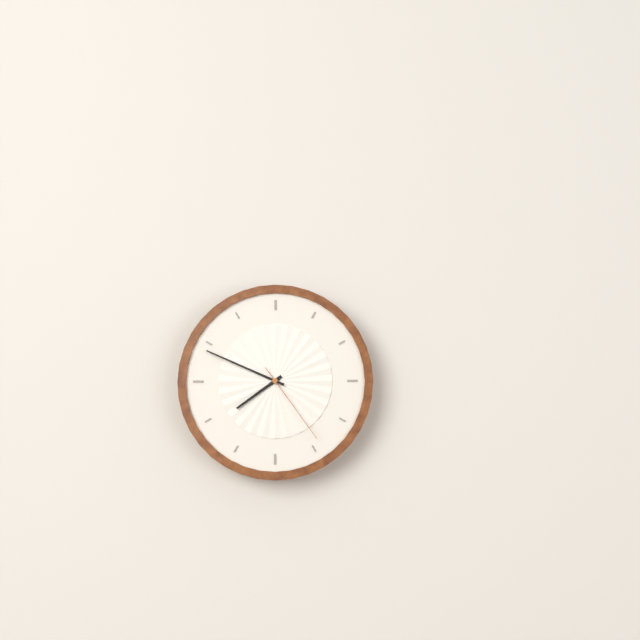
7h49m24s
